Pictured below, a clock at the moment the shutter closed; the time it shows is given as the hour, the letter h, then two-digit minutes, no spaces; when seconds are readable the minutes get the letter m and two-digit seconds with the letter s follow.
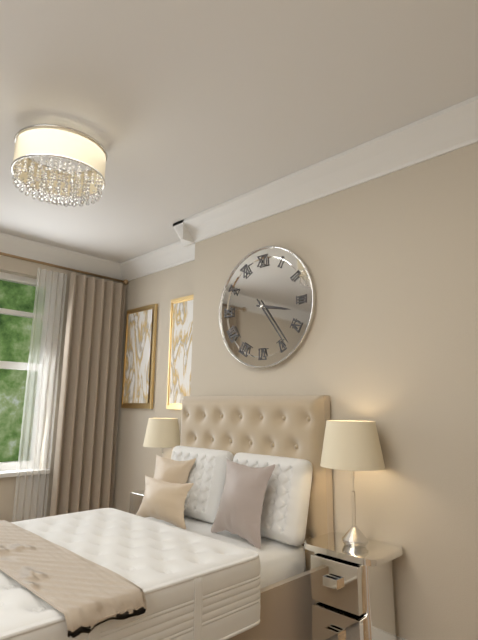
3h24
